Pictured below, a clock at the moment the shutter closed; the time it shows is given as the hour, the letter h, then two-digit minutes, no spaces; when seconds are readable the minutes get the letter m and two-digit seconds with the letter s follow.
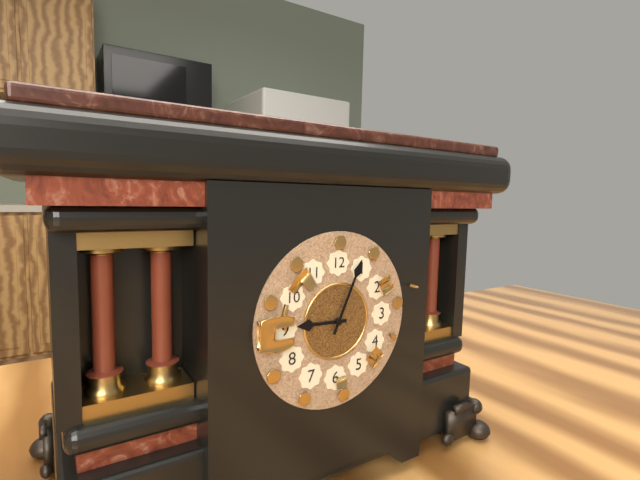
9h04
